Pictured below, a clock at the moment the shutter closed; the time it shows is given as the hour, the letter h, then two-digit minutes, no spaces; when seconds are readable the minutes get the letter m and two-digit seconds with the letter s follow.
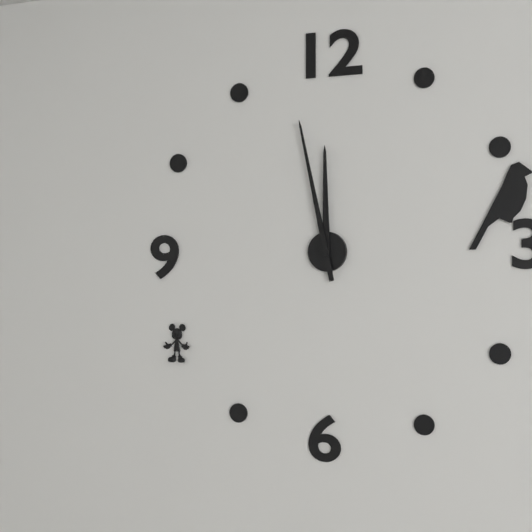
11h58
